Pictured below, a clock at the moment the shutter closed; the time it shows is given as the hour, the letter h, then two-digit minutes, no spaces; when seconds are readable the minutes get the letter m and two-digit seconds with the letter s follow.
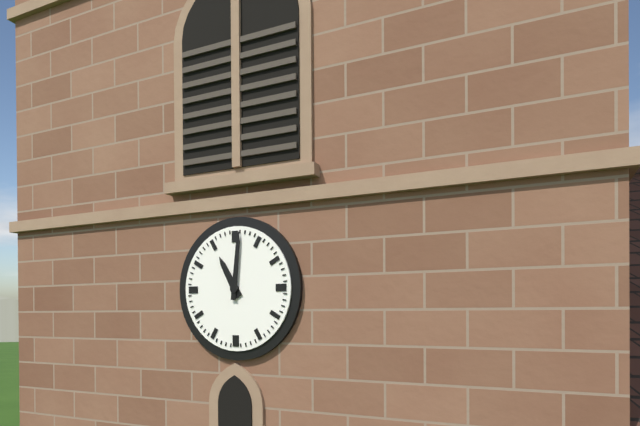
11h01
